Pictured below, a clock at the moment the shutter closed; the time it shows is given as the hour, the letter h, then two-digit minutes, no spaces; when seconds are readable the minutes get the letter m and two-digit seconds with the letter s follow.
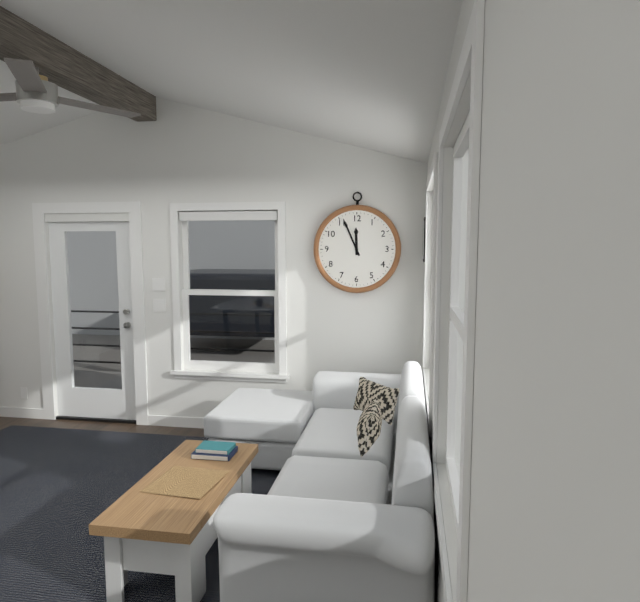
11h56
